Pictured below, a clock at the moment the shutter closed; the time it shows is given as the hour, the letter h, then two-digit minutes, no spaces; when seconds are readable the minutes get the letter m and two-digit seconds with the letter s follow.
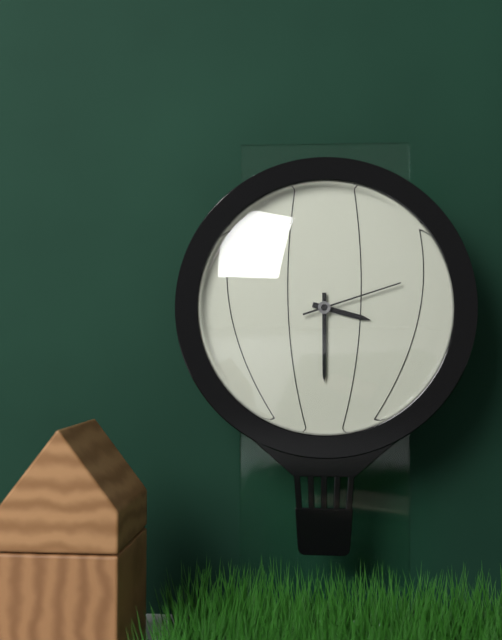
3h30m12s
